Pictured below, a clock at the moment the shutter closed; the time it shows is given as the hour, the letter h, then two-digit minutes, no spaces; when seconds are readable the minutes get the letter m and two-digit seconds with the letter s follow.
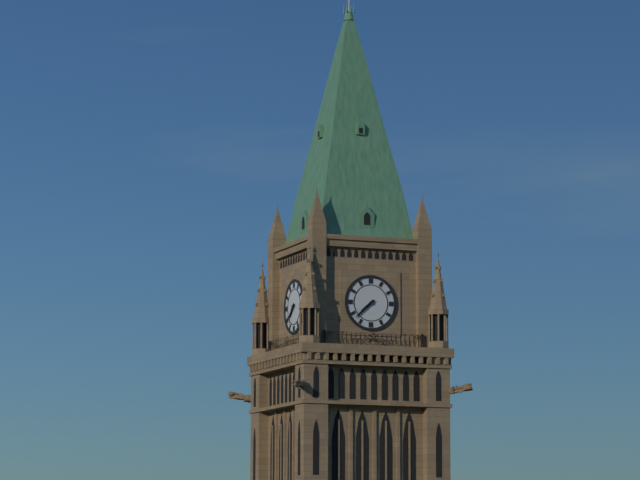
7h38
